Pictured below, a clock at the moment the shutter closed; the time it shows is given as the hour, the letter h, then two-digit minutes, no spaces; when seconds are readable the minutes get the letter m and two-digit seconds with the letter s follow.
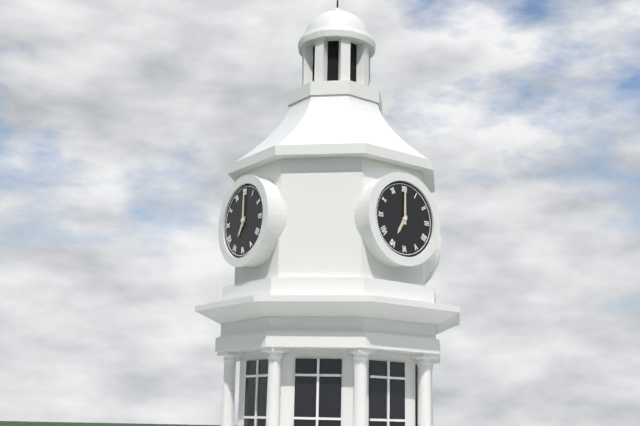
7h00
